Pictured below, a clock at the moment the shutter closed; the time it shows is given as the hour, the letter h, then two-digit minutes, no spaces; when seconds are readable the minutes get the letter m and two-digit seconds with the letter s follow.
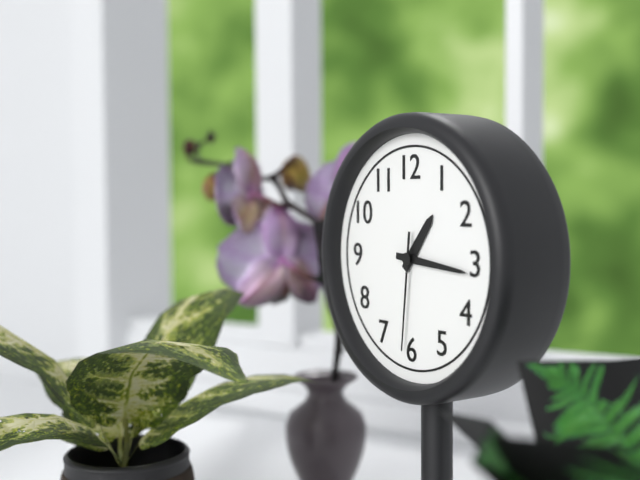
1h16m31s
